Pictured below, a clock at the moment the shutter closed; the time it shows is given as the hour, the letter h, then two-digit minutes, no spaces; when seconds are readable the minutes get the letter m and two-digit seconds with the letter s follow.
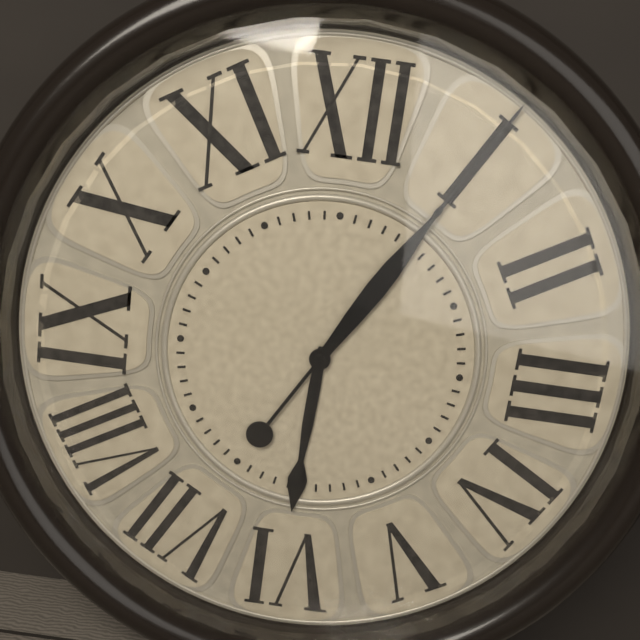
6h05
